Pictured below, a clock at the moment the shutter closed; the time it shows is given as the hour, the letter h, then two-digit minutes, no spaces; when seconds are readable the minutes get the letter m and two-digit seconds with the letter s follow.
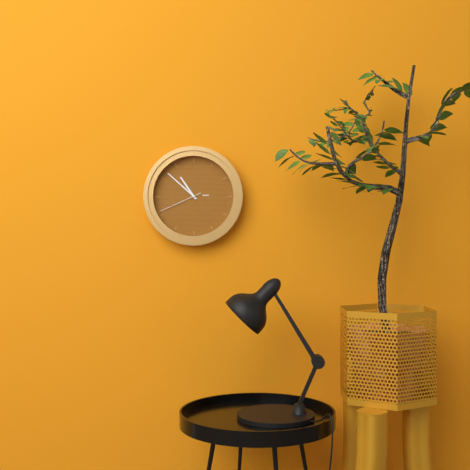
10h52
